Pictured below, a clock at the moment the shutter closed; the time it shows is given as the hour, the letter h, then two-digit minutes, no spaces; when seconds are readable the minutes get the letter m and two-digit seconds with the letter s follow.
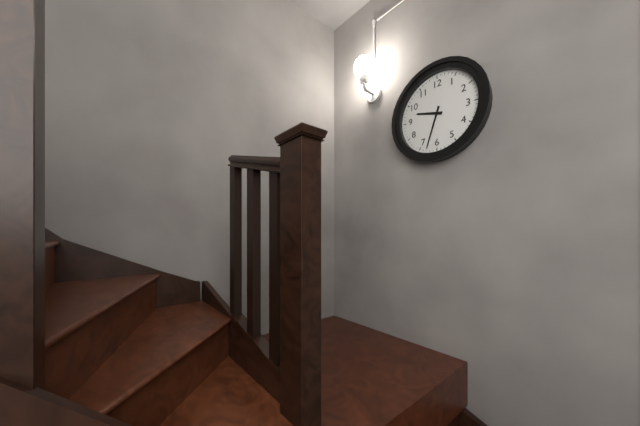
9h33
